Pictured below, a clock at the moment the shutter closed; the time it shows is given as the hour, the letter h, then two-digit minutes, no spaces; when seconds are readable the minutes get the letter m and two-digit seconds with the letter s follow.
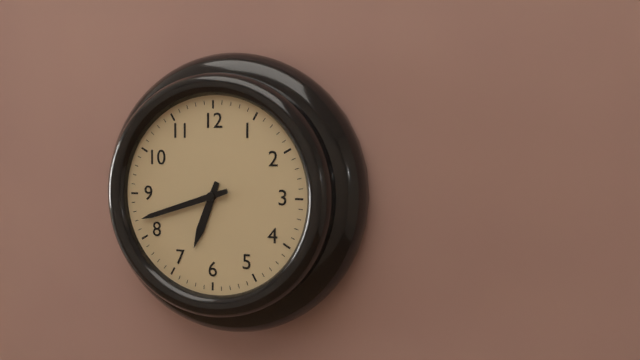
6h42
